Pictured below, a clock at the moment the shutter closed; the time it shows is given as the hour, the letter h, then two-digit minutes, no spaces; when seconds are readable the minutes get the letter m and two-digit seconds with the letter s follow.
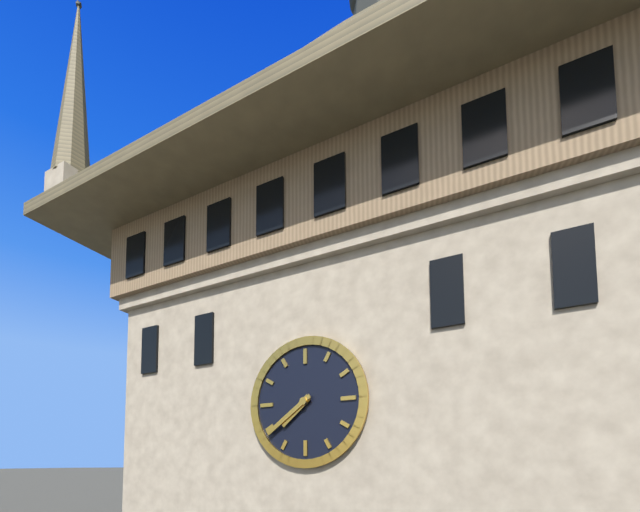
7h39
